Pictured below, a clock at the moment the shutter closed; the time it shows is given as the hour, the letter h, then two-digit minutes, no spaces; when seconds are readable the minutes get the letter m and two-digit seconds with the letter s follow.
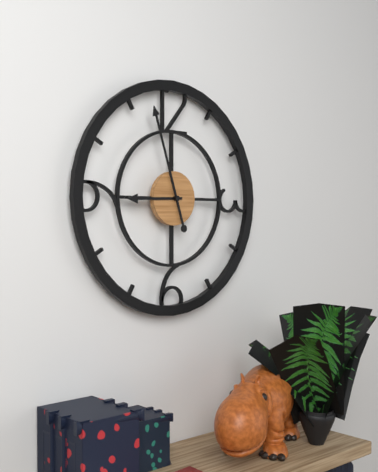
8h57
